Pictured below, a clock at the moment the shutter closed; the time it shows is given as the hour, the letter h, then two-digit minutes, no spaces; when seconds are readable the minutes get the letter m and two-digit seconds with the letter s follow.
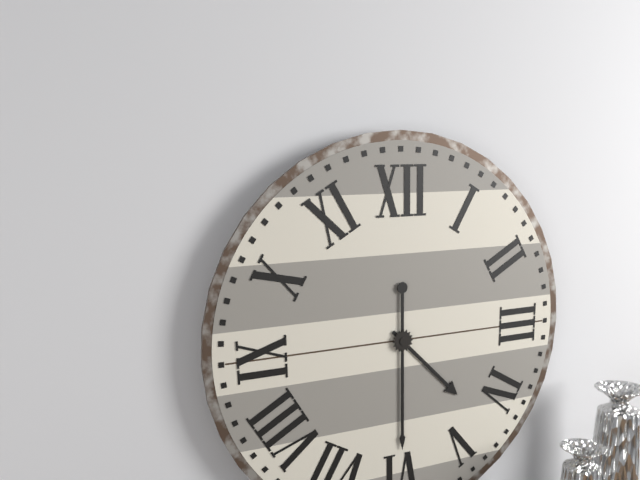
4h30
